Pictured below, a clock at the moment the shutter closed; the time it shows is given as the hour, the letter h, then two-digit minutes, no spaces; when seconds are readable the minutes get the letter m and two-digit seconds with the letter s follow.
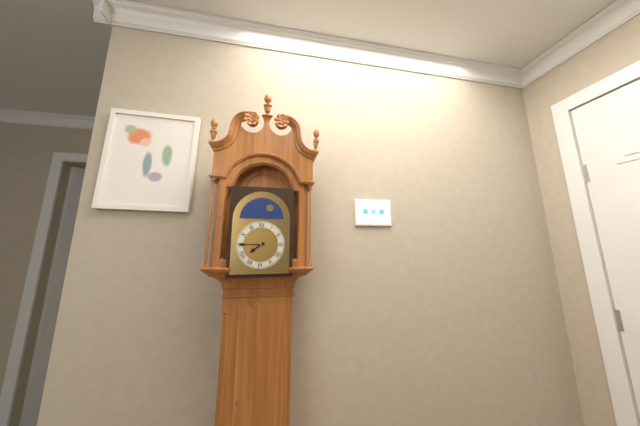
7h45
